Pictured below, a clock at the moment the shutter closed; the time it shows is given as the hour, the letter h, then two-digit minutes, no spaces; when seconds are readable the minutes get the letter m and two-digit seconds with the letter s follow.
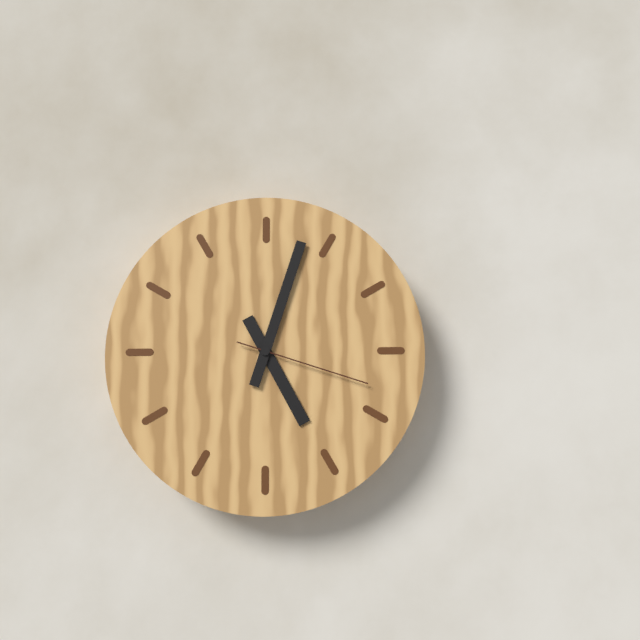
5h03m18s
